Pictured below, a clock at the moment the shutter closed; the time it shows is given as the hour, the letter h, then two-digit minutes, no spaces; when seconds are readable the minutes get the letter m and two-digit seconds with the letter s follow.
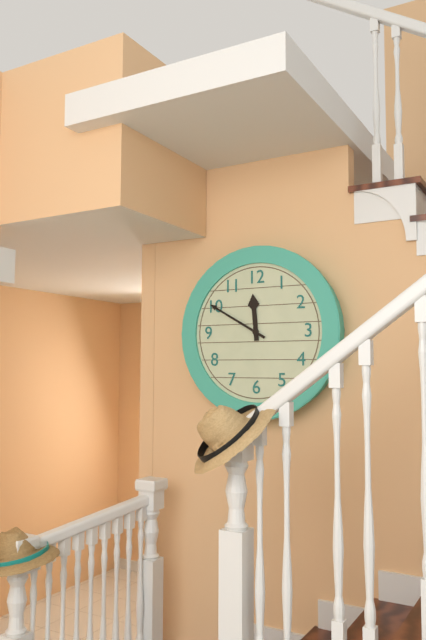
11h50
